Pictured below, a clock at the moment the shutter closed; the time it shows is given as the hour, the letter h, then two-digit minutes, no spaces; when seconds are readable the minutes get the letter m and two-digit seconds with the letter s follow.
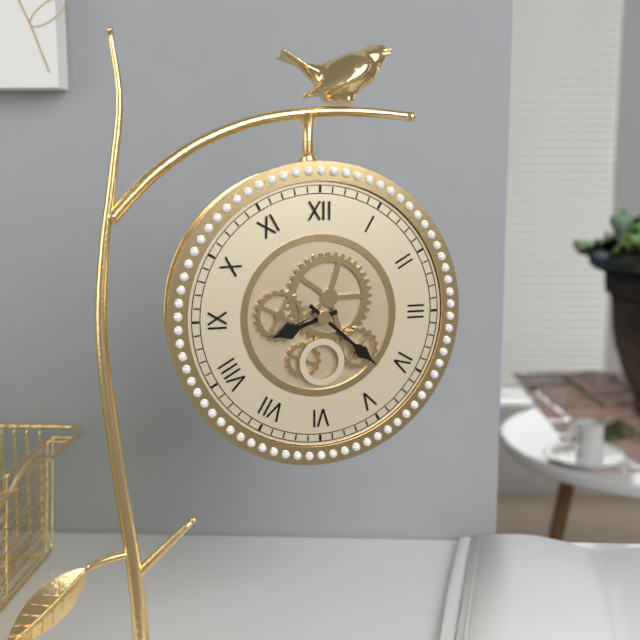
8h22
